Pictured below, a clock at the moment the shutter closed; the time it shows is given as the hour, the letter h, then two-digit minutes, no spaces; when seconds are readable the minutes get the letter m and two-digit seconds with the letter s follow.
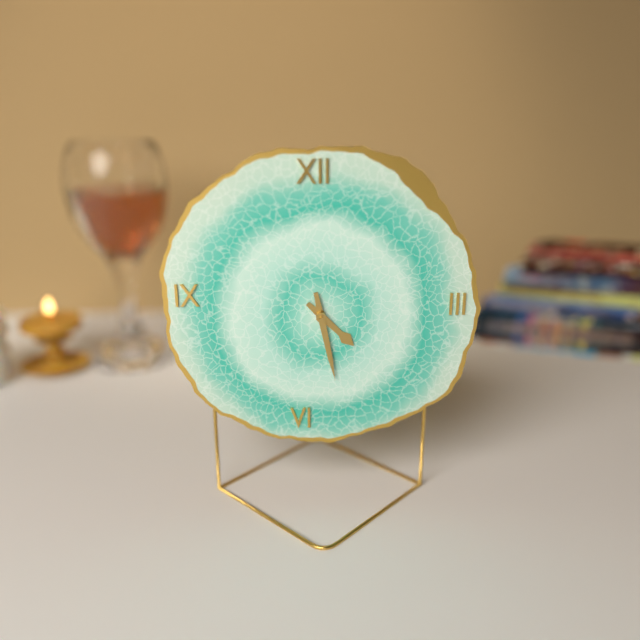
4h28
